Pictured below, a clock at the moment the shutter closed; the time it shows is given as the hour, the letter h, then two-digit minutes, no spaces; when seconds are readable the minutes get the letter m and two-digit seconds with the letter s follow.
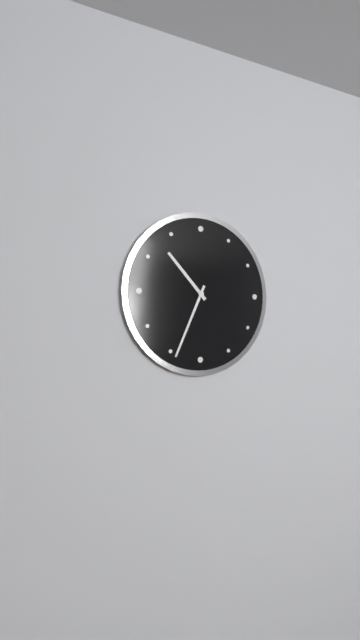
10h34
